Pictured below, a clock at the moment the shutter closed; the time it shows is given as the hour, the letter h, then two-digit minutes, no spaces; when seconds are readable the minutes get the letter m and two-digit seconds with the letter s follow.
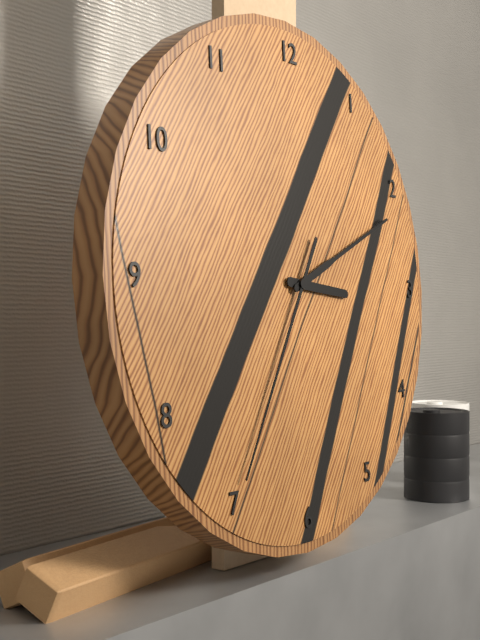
3h11m35s
